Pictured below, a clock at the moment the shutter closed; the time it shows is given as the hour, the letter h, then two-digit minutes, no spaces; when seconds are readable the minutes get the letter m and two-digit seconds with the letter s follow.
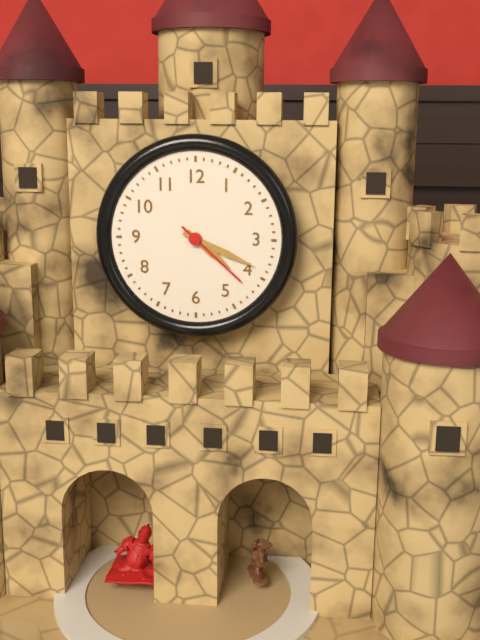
4h19m22s
